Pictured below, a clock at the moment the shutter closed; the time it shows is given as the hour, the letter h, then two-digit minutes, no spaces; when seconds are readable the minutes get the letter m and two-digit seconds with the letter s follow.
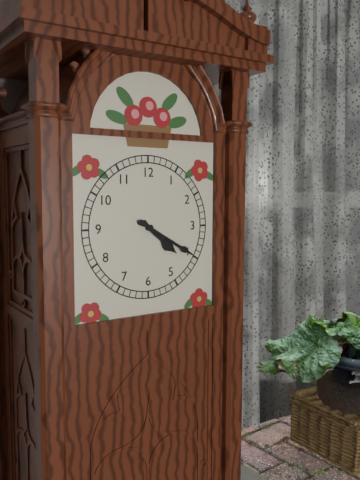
4h20
